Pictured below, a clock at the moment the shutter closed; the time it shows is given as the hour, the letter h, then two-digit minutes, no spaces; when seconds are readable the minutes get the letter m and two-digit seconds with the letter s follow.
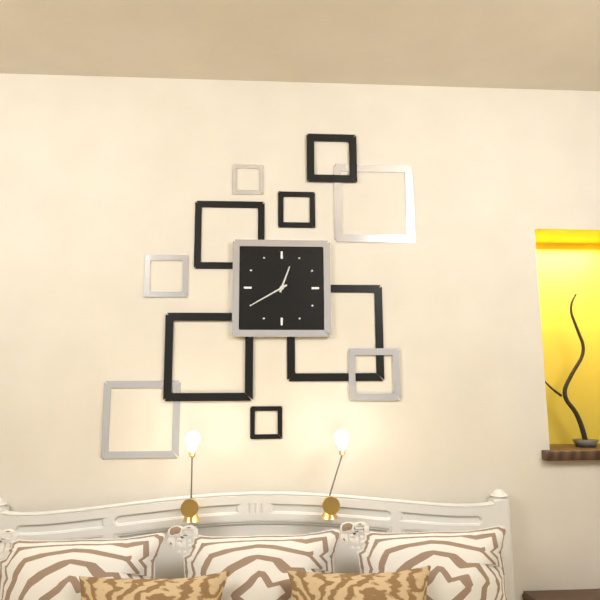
12h40
